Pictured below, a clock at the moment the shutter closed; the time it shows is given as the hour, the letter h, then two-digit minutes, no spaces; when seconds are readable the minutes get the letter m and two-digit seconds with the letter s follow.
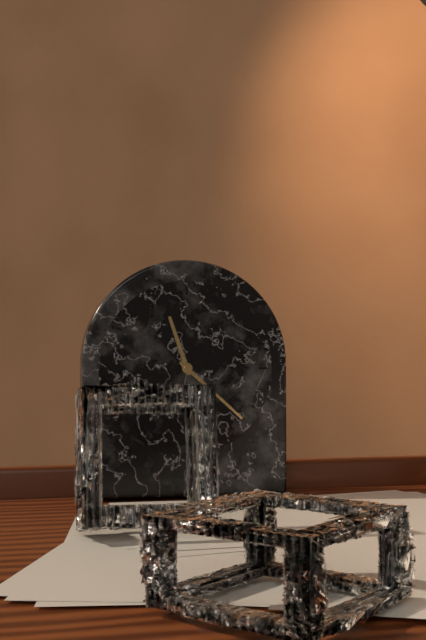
11h22
